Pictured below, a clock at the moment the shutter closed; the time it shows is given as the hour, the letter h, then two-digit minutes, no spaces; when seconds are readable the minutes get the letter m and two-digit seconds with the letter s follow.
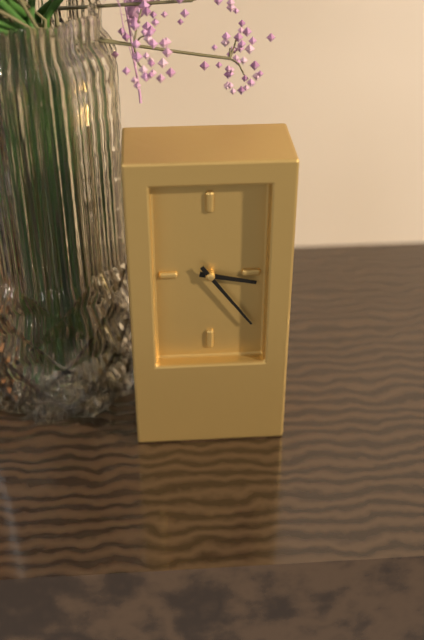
3h24
